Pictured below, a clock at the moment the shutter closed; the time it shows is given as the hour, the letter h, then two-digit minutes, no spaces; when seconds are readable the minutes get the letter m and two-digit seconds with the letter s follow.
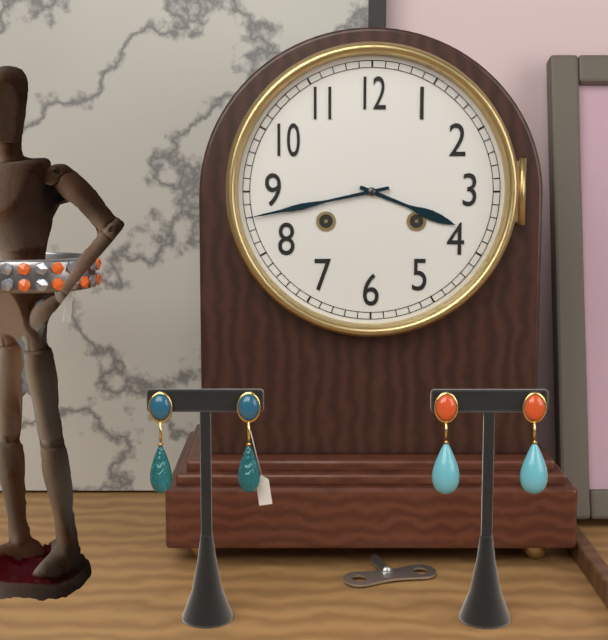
3h43
